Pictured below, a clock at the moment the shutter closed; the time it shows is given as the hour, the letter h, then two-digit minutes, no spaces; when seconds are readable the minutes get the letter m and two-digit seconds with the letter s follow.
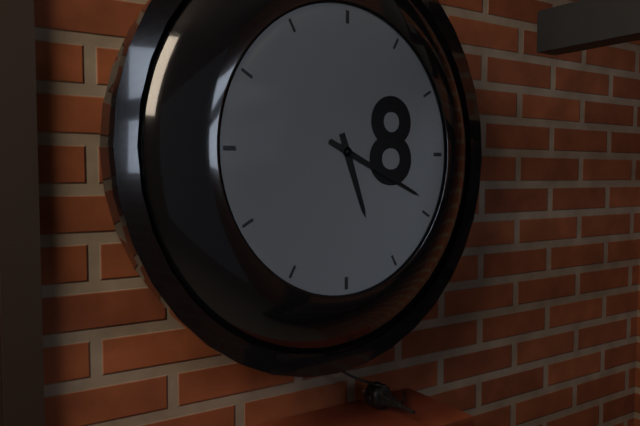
5h19
